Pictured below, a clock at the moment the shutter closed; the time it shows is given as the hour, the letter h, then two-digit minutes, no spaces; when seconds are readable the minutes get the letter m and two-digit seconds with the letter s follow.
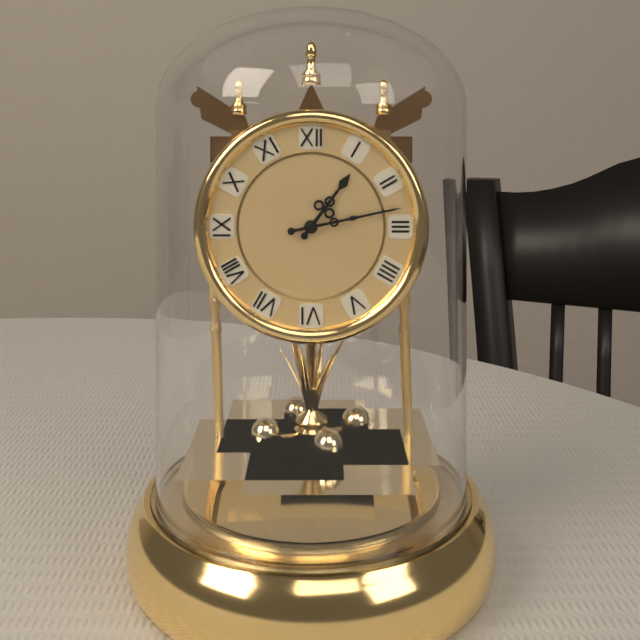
1h13
